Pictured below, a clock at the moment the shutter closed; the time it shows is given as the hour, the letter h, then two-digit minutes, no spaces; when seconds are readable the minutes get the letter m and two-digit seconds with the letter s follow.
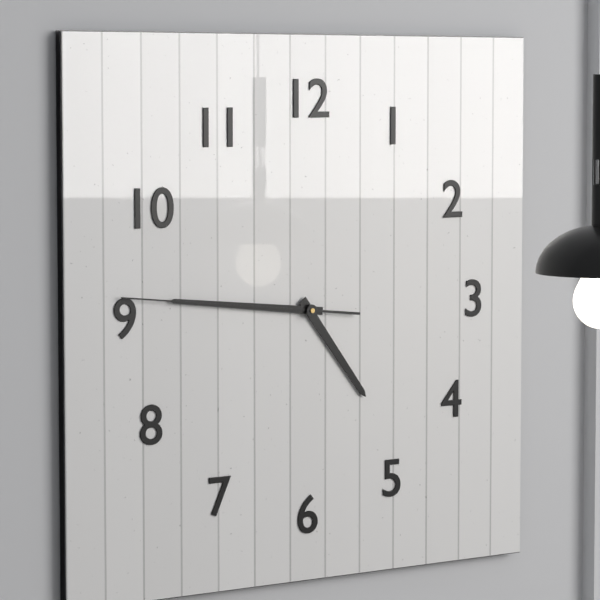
4h46m46s
